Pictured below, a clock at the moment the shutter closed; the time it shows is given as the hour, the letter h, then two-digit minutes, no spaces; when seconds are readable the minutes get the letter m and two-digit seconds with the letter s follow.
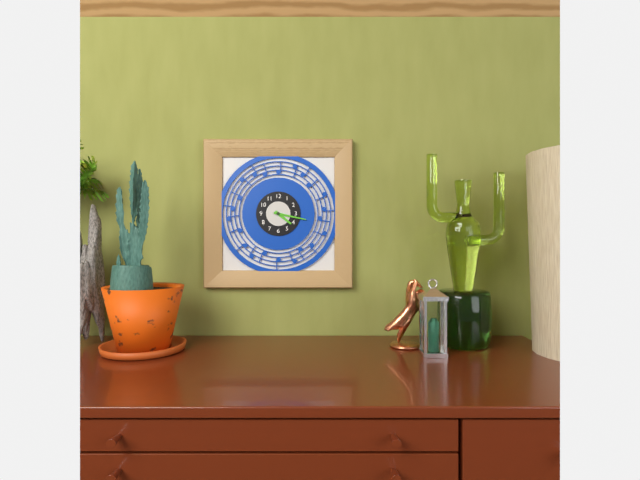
4h17
